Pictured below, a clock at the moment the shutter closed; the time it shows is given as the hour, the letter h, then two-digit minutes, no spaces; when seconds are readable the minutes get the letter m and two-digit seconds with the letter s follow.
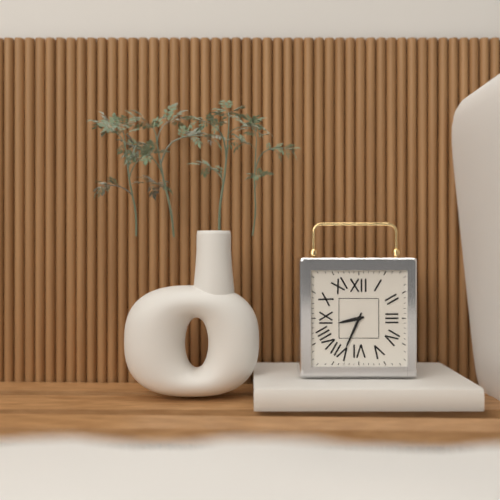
8h34
